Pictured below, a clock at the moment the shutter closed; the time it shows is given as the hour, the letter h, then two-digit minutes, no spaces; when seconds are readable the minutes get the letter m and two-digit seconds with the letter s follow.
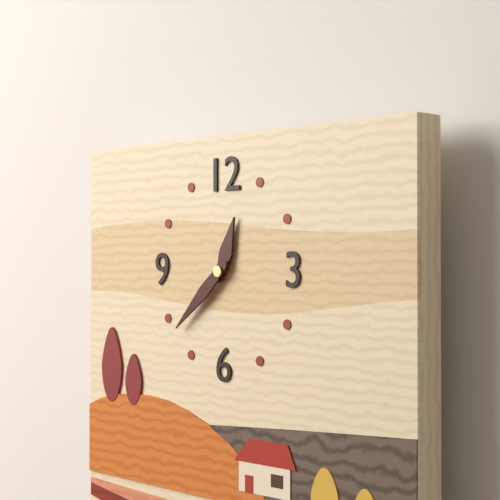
12h38
